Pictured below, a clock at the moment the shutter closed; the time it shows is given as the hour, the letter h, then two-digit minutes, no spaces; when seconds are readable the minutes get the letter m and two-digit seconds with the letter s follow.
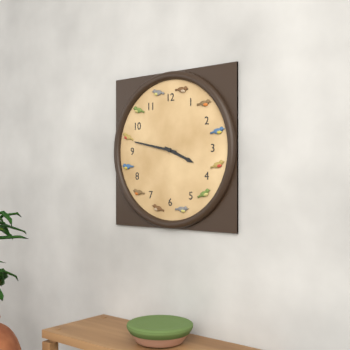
3h47
